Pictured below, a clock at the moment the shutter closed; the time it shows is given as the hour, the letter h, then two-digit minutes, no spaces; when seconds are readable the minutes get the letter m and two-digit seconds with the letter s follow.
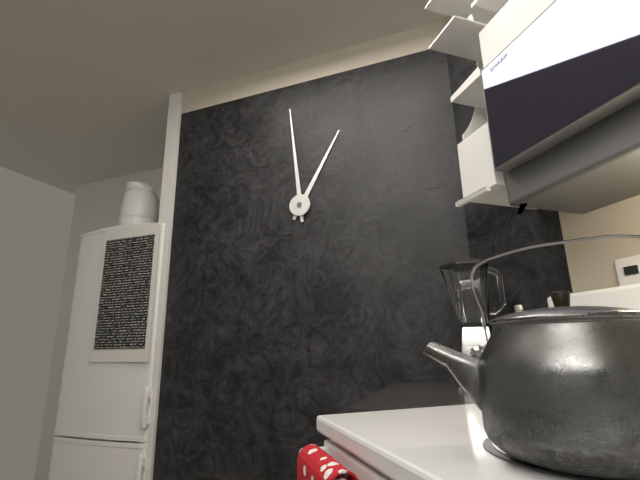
12h59
